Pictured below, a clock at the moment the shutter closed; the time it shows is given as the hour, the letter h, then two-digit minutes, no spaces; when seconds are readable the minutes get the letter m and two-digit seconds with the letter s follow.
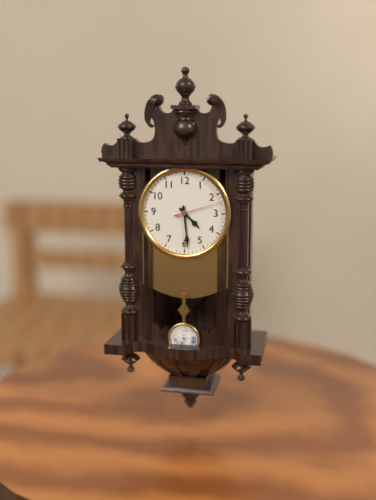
4h29
